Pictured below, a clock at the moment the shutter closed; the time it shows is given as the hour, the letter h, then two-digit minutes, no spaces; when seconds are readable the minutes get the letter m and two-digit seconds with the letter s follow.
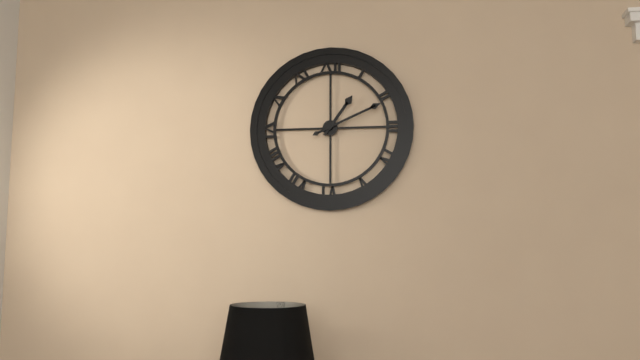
1h11
